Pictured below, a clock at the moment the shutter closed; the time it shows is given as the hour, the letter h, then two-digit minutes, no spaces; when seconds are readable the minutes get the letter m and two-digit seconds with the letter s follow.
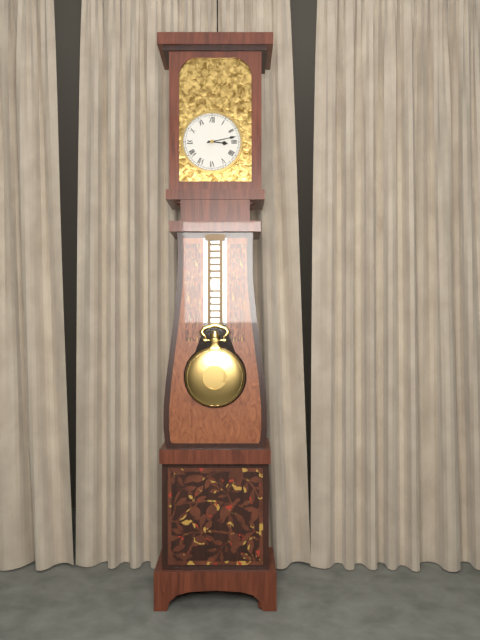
3h13
